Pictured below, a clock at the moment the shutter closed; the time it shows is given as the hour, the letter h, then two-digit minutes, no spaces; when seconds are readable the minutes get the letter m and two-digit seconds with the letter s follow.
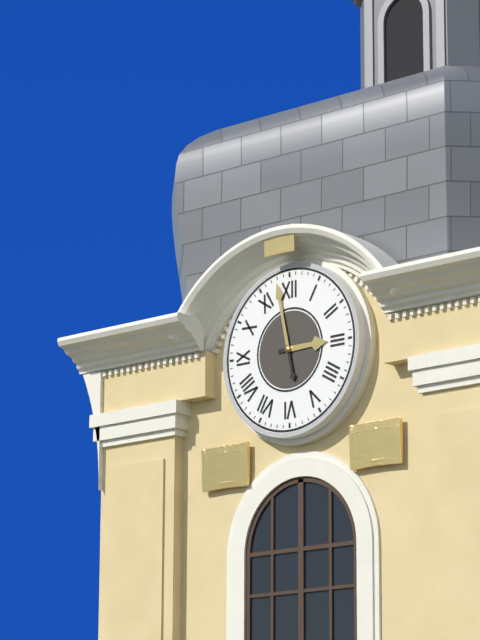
2h58
